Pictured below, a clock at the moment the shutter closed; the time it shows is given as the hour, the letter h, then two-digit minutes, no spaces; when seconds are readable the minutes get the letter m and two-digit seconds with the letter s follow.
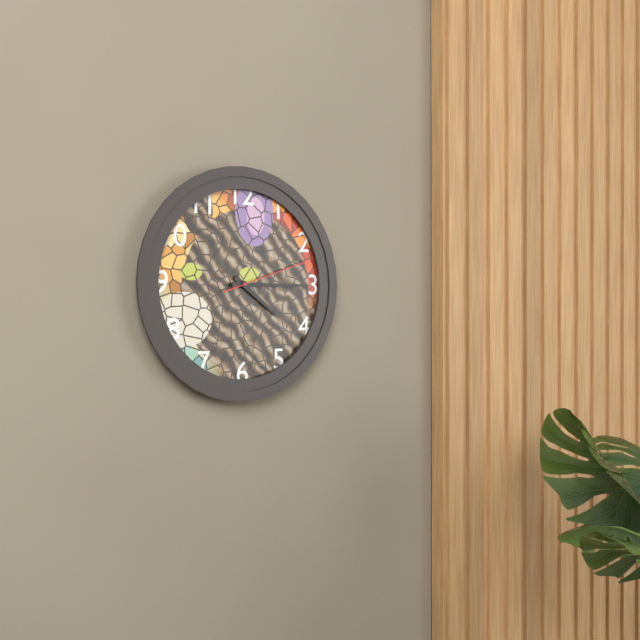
4h15m12s
